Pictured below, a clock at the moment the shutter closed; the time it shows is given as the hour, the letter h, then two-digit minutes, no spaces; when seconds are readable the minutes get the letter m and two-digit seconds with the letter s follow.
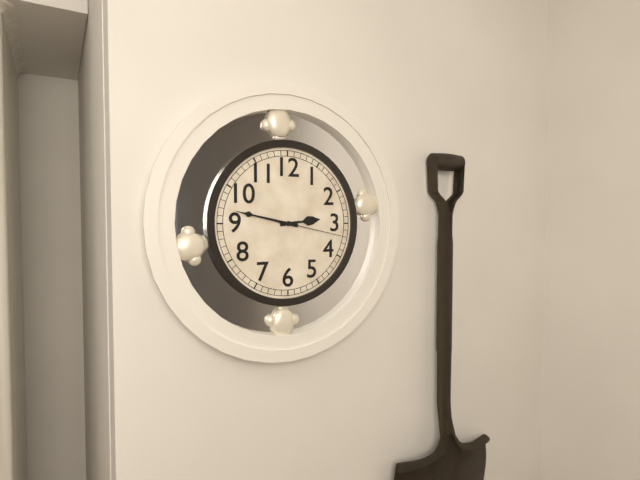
2h47m17s
